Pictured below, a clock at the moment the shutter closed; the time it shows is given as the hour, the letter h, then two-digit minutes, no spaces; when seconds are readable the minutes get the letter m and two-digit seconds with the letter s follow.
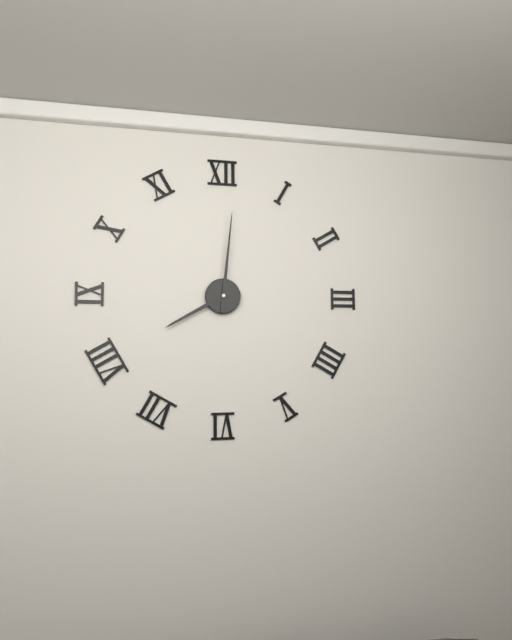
8h01
